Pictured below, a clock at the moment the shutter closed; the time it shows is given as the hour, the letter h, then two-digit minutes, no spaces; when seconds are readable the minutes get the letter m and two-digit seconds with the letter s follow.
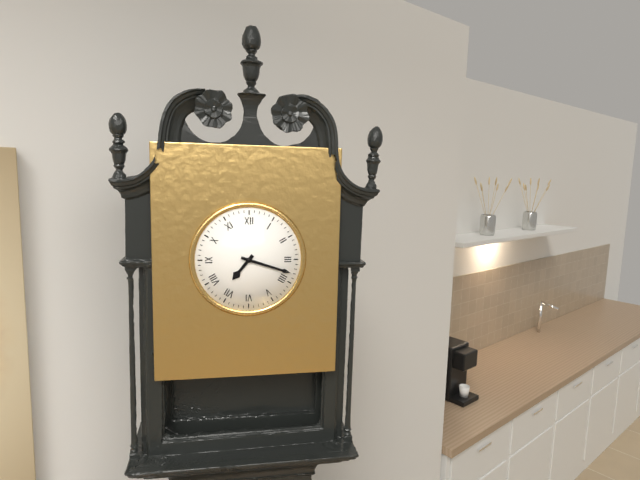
7h18
